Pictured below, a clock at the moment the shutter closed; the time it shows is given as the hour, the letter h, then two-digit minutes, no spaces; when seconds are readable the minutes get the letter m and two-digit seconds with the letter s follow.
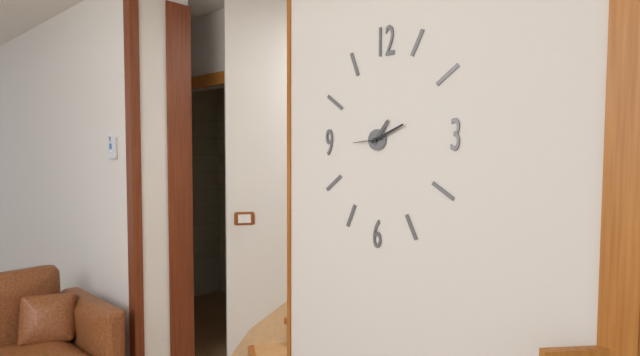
1h11
